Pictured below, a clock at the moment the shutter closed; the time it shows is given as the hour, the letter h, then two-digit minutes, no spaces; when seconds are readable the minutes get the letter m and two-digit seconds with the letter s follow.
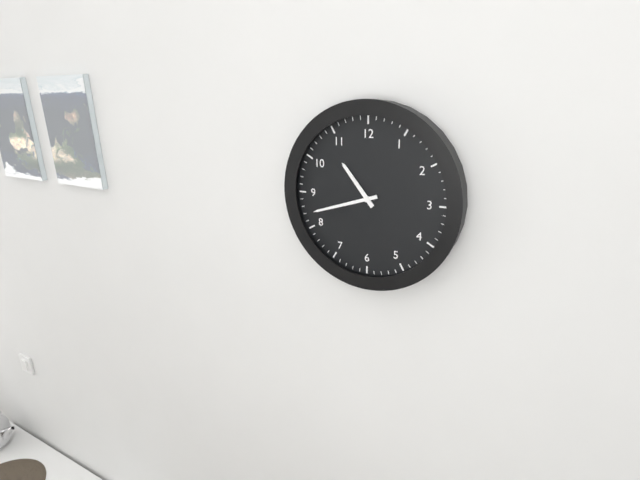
10h42
